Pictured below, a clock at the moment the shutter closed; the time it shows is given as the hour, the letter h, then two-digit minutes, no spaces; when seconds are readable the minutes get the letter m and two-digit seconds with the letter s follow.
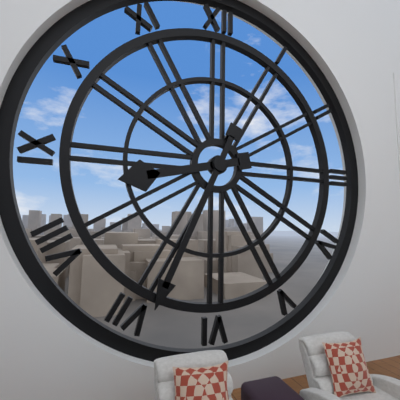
8h34
